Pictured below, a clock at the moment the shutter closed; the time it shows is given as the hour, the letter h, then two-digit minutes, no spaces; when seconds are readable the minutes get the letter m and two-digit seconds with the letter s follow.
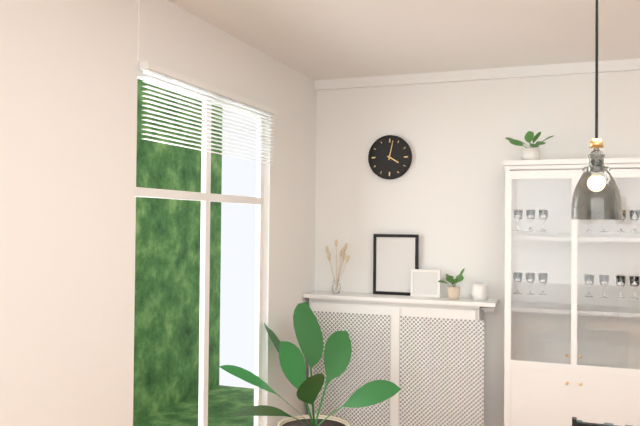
4h02
